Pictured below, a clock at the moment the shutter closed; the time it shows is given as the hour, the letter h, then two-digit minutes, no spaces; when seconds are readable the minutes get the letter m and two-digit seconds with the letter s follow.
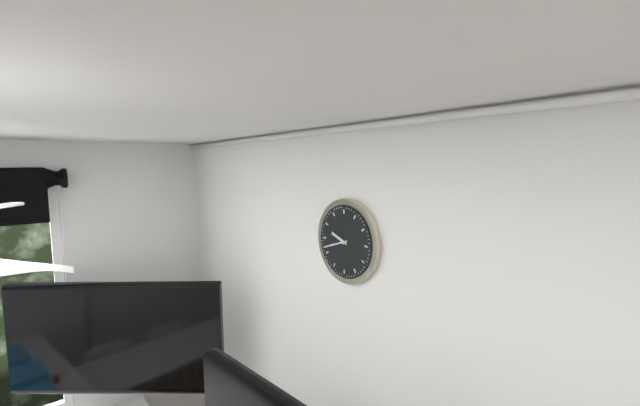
9h42
